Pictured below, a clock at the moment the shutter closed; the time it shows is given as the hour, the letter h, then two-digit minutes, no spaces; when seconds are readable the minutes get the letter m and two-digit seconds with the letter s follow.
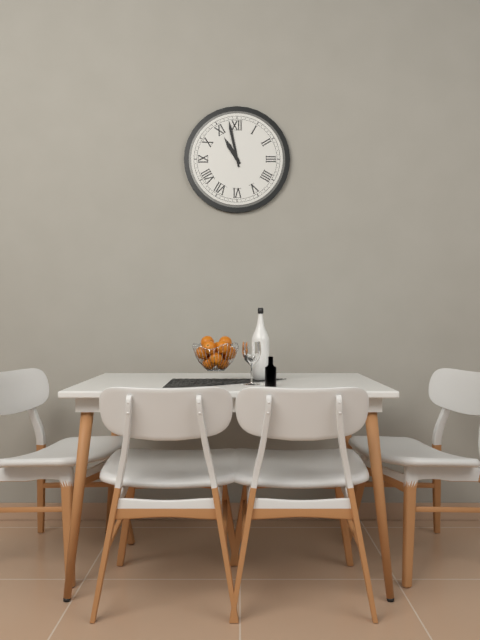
10h58
